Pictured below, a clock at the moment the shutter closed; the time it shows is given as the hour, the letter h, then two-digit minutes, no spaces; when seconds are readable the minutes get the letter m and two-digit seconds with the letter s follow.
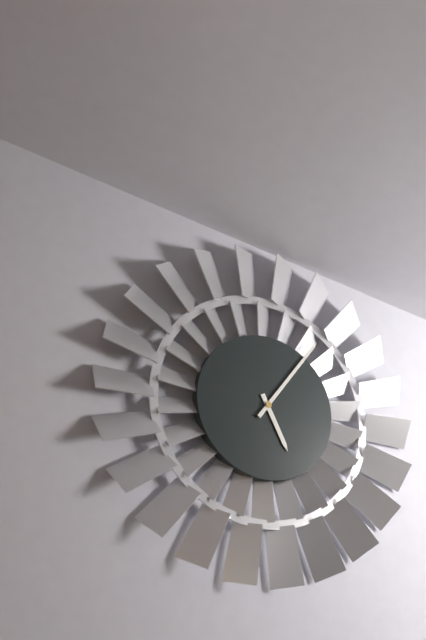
5h06
